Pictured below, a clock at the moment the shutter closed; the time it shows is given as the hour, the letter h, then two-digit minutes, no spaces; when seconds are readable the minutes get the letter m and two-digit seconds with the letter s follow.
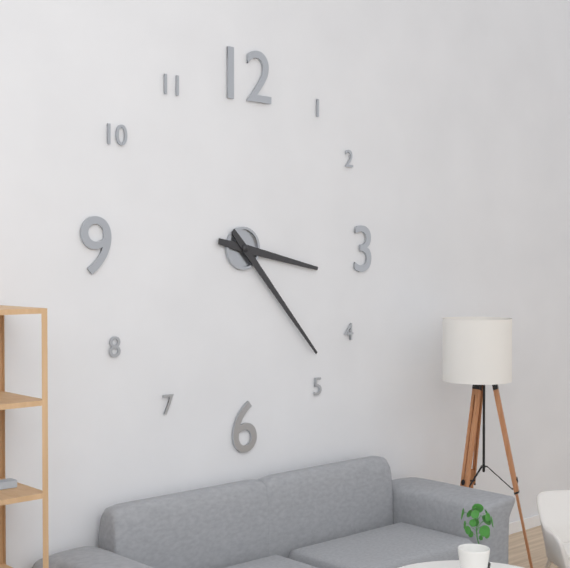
3h23
